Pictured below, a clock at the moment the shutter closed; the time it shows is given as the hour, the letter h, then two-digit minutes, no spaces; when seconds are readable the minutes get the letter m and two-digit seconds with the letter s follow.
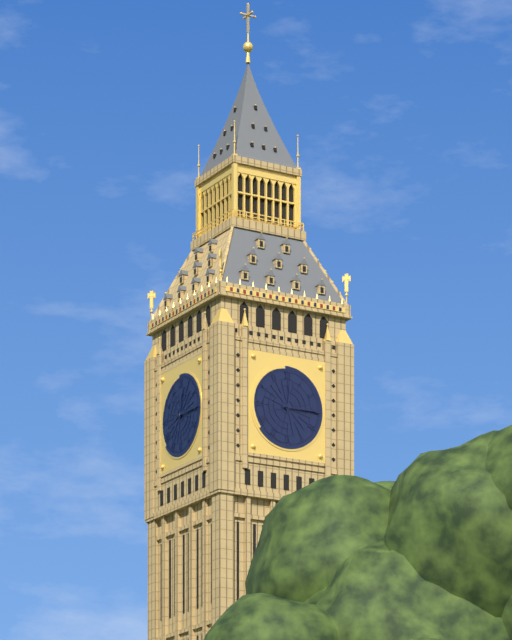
12h15
